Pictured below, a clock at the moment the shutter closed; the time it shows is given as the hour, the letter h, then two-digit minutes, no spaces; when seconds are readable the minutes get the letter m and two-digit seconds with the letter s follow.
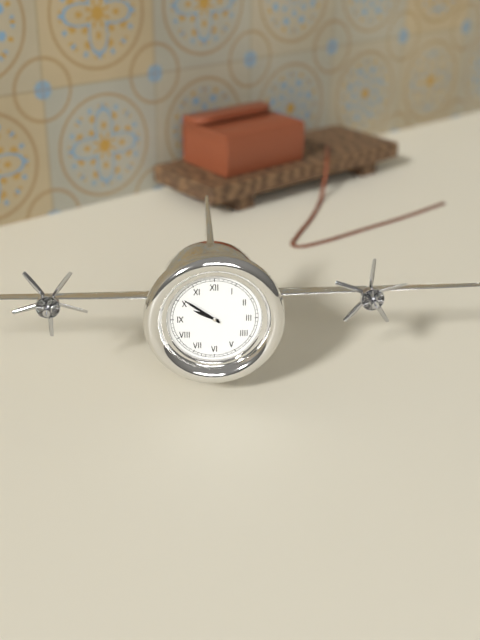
9h51
